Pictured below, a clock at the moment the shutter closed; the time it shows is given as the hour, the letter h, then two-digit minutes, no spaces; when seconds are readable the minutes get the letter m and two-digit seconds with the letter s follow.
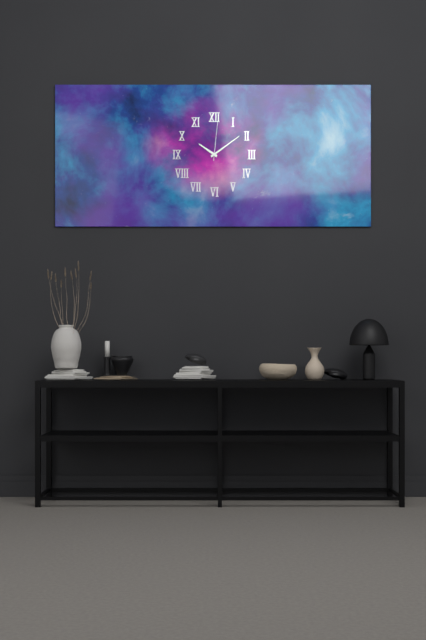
10h09
